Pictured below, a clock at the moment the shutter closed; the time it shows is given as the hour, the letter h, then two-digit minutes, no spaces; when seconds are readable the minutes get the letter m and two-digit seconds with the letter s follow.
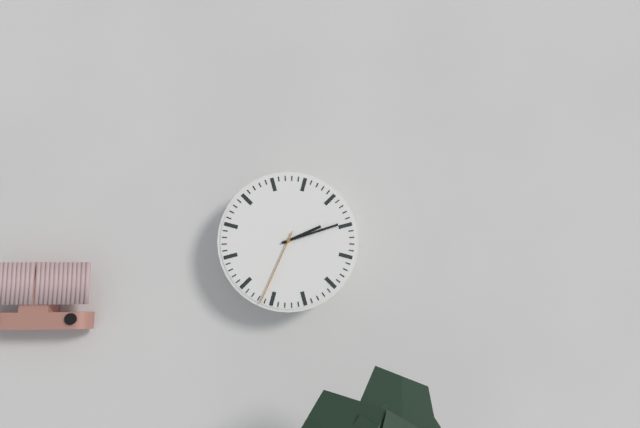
2h12m34s
